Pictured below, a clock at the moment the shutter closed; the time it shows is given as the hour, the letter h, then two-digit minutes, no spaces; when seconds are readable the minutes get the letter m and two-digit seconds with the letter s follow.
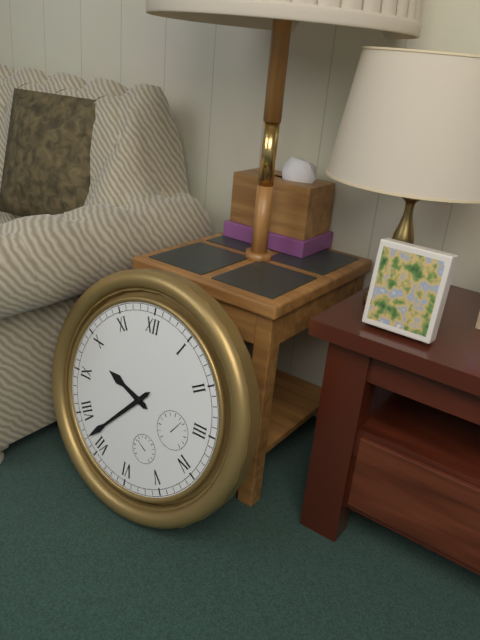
9h37
